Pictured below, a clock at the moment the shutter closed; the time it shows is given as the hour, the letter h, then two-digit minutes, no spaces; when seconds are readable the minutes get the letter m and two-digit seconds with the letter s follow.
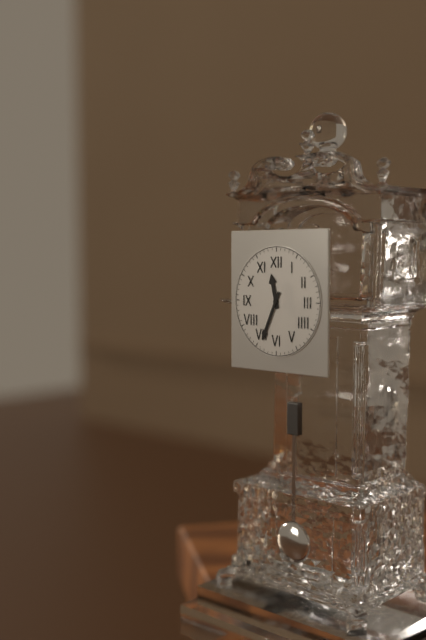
11h34
